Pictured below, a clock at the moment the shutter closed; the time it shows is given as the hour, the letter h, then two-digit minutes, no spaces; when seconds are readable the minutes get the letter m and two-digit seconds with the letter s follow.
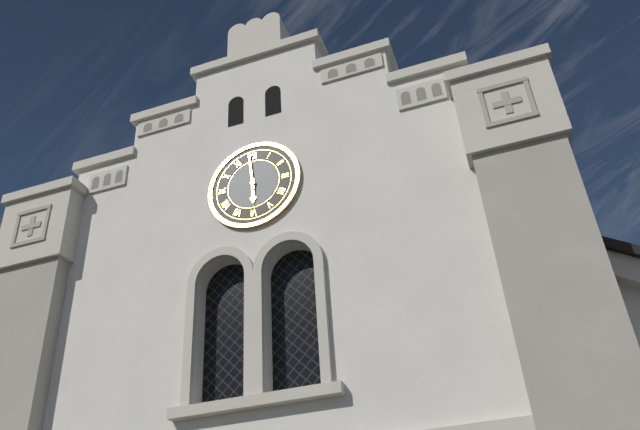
5h59
